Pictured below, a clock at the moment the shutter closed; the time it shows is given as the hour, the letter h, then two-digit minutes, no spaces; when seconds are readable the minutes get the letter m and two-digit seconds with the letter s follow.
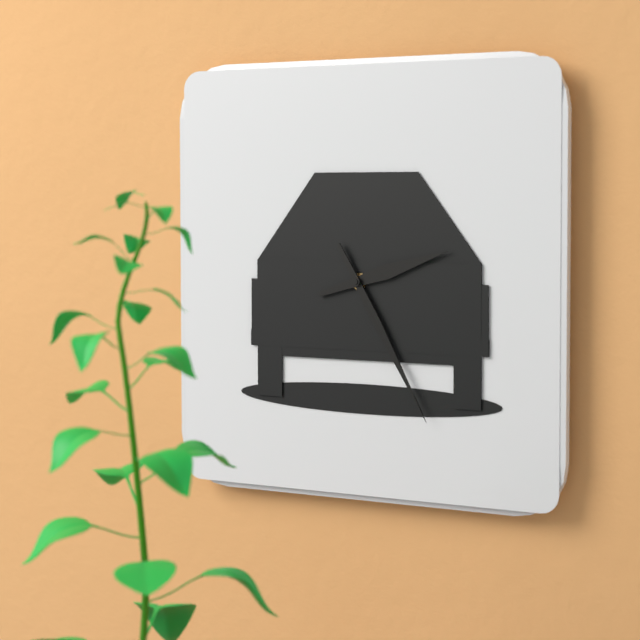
2h25
